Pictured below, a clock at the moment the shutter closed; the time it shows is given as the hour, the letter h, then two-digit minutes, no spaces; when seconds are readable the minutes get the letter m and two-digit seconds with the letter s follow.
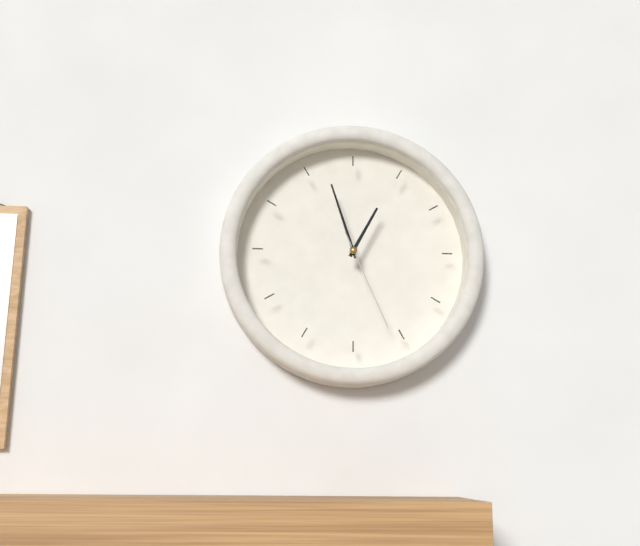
12h57m26s
